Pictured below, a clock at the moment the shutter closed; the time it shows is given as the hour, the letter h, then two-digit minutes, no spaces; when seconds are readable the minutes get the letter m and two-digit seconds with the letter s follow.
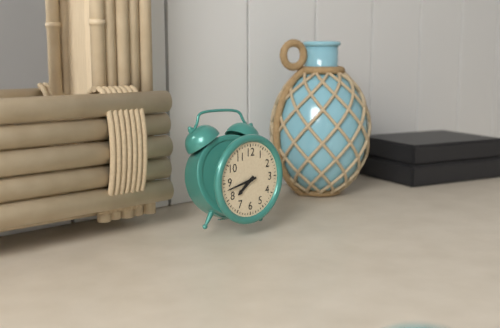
7h43
